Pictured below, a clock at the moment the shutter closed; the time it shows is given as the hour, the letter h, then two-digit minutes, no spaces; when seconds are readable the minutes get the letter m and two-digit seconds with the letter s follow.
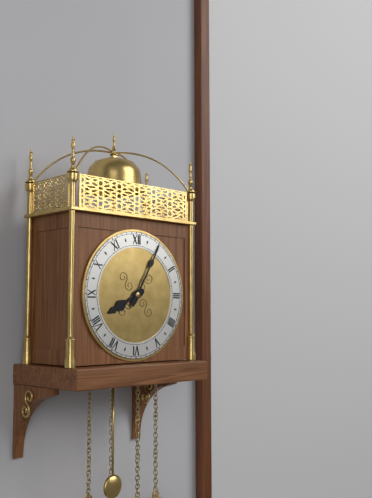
8h05
